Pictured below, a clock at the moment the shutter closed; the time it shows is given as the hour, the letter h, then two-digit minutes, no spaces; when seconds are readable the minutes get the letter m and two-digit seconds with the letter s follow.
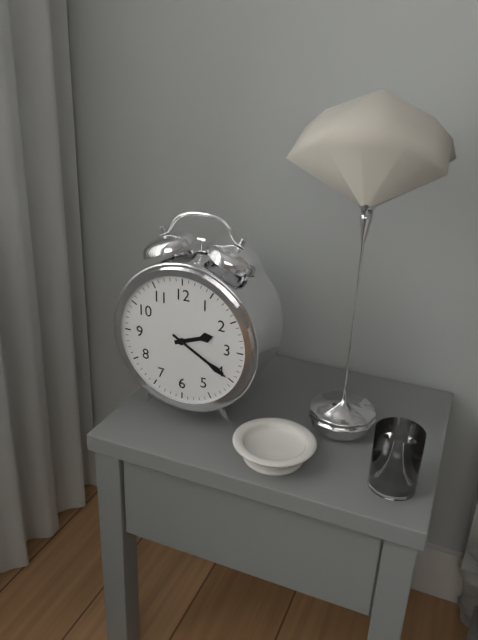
2h20
